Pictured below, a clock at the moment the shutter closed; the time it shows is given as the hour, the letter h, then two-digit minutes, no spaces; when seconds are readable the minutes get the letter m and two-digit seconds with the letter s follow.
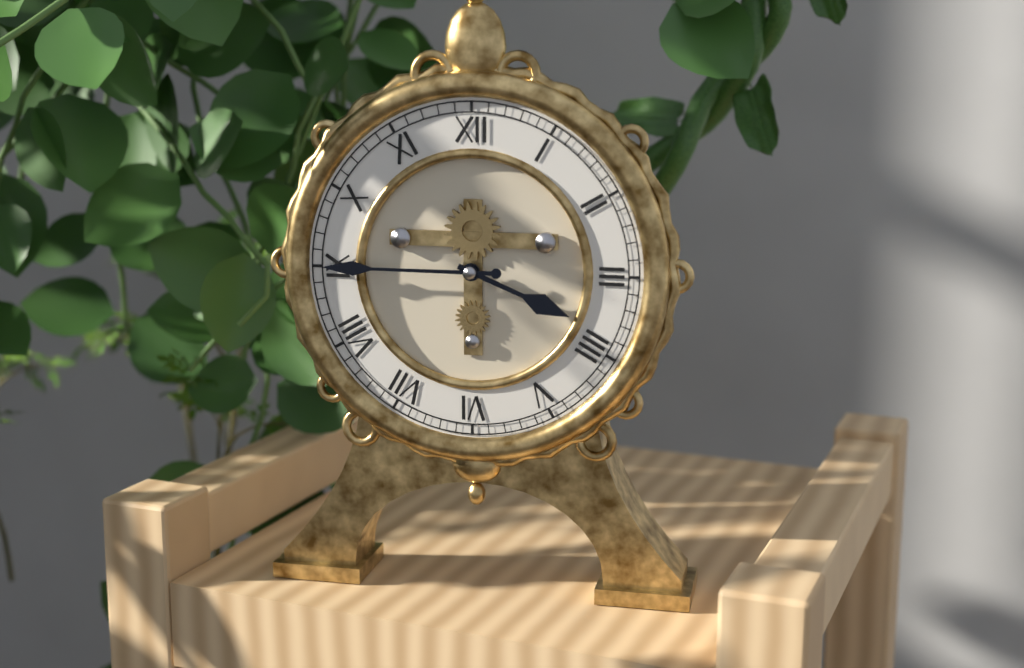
3h45
